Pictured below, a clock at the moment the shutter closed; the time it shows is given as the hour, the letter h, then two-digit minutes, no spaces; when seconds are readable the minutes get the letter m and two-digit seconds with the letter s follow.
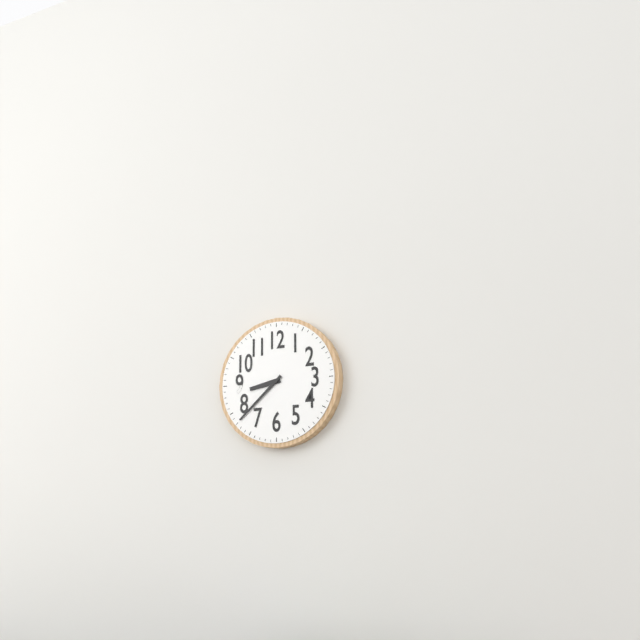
8h38
